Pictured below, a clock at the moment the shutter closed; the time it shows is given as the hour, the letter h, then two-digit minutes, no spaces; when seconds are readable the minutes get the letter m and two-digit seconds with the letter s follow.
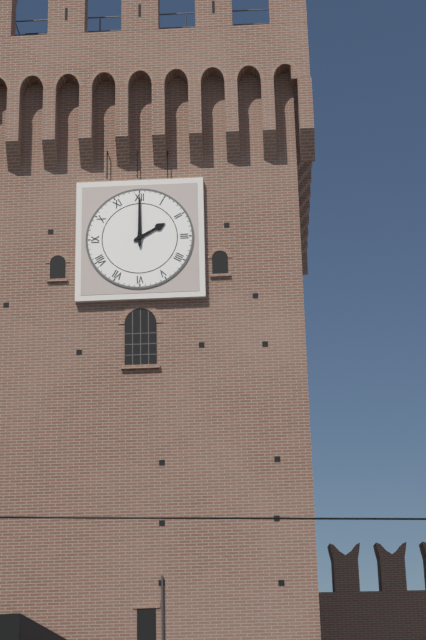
2h00
